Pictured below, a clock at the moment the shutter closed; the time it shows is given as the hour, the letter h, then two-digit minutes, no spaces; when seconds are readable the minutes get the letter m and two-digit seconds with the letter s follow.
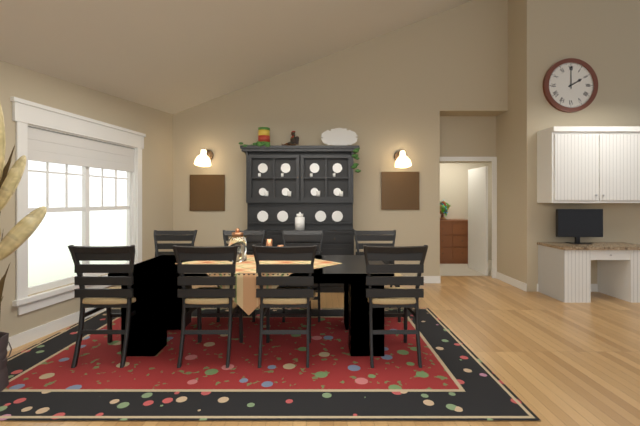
2h00
